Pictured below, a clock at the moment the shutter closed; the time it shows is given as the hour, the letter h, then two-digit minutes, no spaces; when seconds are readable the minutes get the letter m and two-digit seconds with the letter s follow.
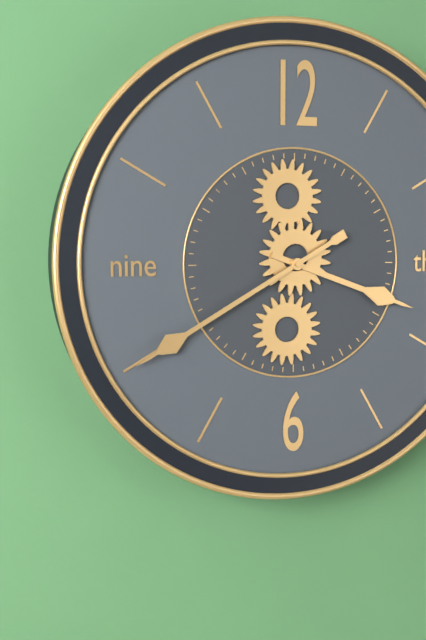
3h40
